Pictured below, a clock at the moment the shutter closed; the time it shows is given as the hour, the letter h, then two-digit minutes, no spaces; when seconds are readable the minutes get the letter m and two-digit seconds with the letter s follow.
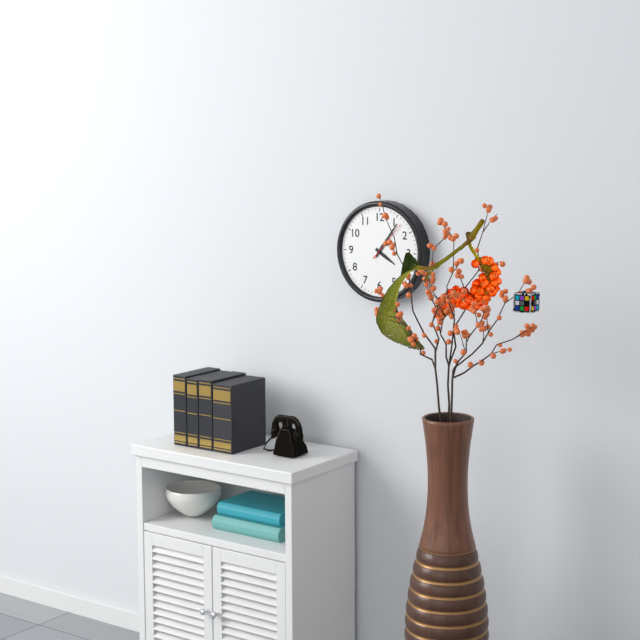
4h06
